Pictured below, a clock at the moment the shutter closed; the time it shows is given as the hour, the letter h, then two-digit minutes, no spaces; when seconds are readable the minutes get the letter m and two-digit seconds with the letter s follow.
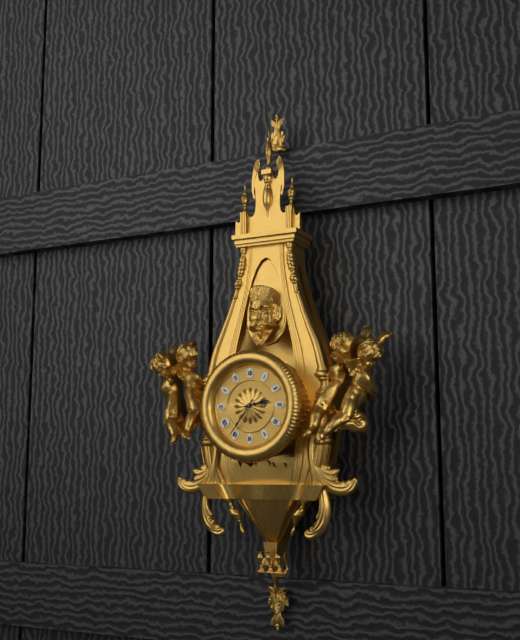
2h36
